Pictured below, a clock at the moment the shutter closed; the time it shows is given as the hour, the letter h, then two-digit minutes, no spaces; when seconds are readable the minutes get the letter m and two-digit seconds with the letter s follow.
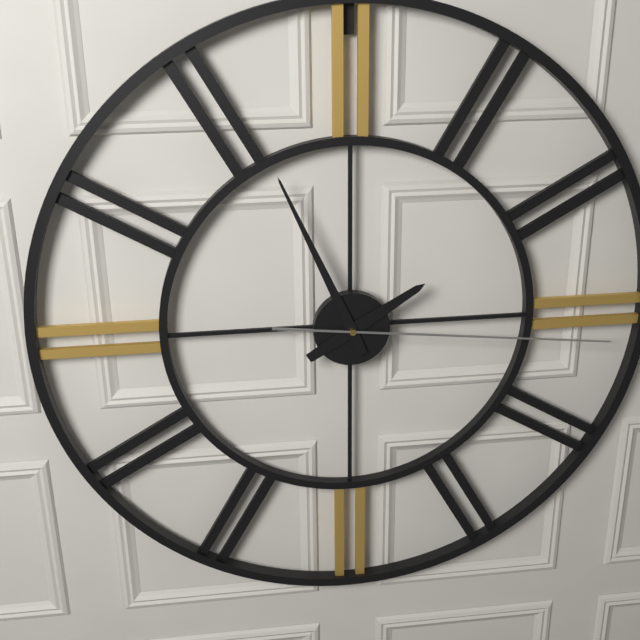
1h56m16s
